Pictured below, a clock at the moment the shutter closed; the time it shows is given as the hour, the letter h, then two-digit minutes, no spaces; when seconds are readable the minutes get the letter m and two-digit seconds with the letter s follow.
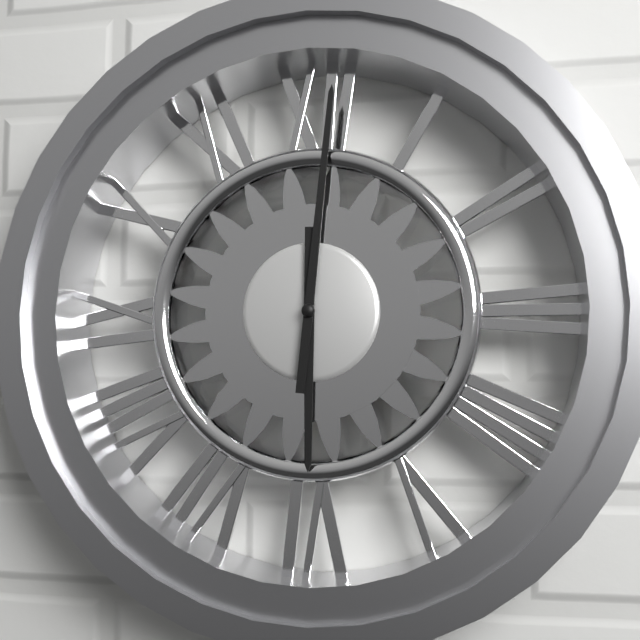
6h01
